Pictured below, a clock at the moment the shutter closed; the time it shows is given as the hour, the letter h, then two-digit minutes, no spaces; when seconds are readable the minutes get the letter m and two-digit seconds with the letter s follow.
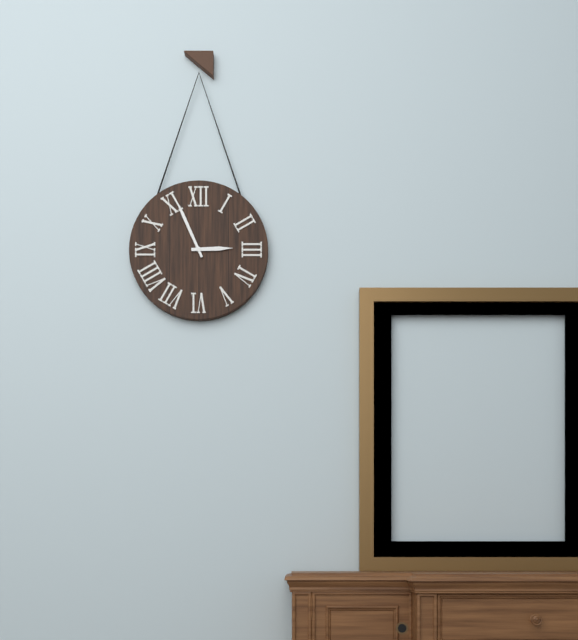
2h56
